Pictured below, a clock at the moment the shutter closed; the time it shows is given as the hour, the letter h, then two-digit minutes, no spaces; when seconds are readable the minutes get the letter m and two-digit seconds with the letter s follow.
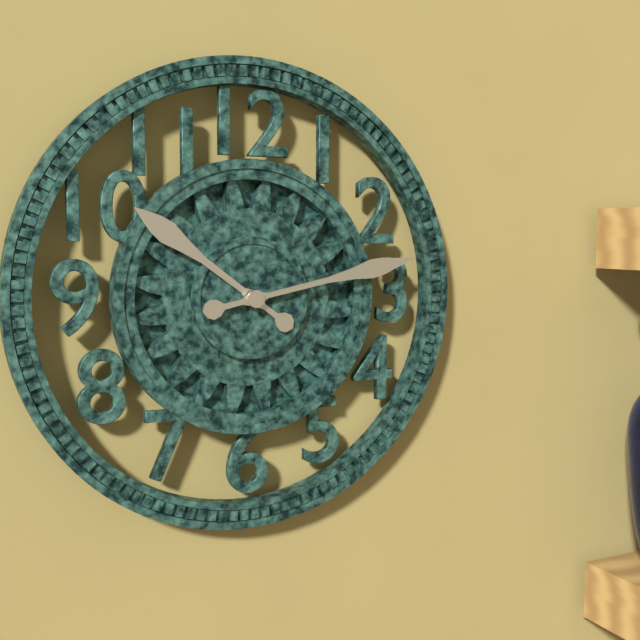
10h13
